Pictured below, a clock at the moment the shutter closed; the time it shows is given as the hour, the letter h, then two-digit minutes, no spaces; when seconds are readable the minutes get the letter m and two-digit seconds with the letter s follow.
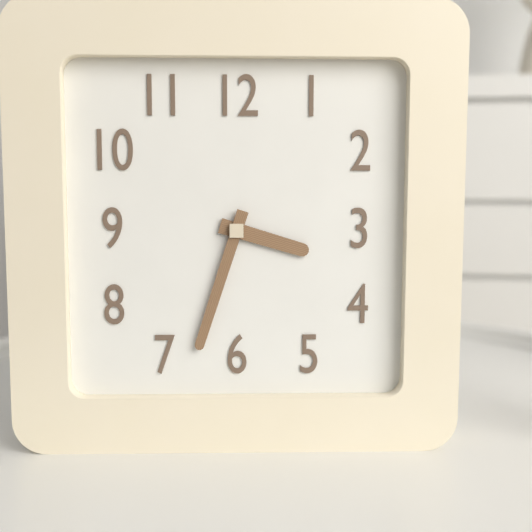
3h33
